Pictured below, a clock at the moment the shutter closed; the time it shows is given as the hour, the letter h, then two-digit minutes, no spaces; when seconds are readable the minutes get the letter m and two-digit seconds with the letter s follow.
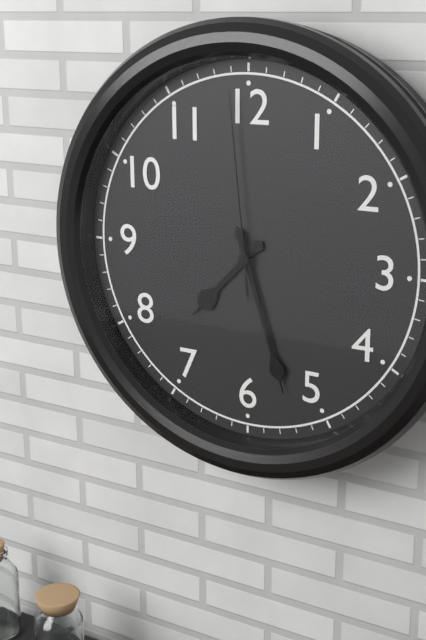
7h27m59s
